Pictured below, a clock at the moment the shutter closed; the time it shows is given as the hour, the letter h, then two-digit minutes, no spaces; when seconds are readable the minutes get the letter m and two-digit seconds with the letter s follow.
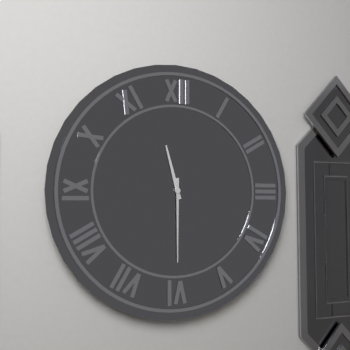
11h30
